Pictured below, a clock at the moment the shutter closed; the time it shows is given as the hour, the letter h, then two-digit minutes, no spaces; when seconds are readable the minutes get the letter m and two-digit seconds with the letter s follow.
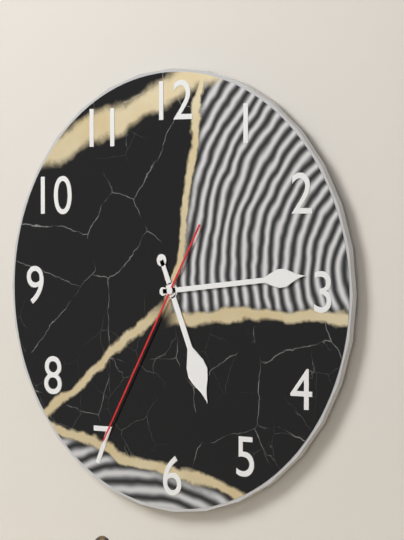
5h14m35s
